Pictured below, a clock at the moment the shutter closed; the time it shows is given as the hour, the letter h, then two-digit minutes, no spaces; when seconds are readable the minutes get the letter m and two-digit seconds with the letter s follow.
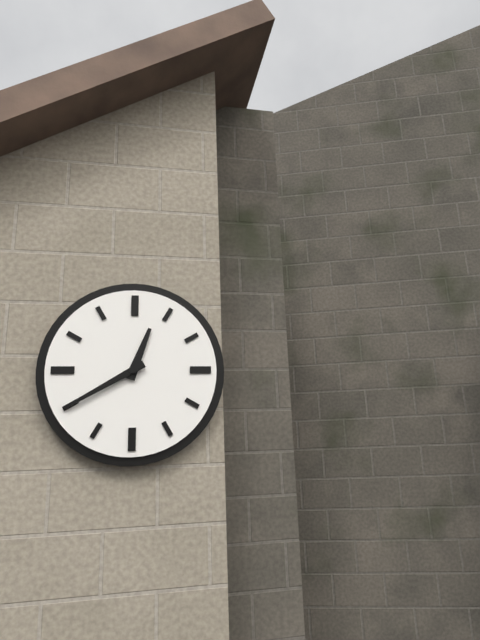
12h40
